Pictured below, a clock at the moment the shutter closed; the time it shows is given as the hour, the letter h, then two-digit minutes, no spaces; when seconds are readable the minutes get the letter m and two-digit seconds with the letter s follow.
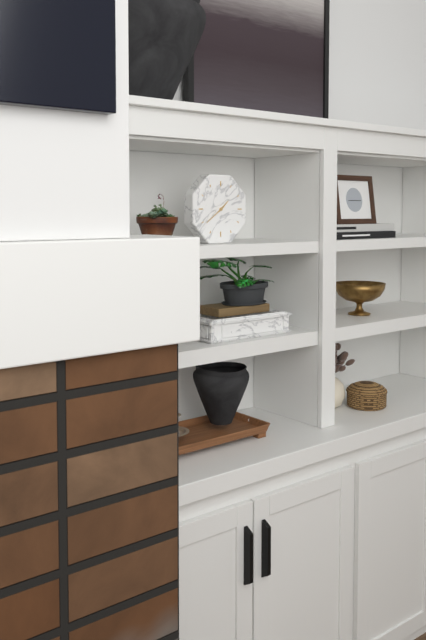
1h39
